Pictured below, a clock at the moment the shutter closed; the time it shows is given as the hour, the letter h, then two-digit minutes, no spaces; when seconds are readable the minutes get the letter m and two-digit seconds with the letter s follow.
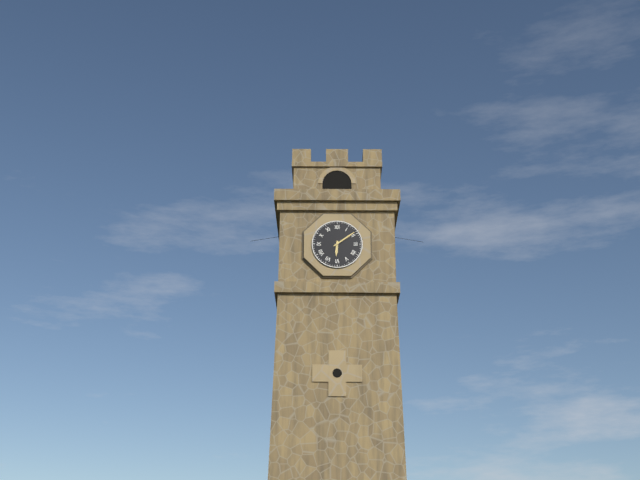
6h09
